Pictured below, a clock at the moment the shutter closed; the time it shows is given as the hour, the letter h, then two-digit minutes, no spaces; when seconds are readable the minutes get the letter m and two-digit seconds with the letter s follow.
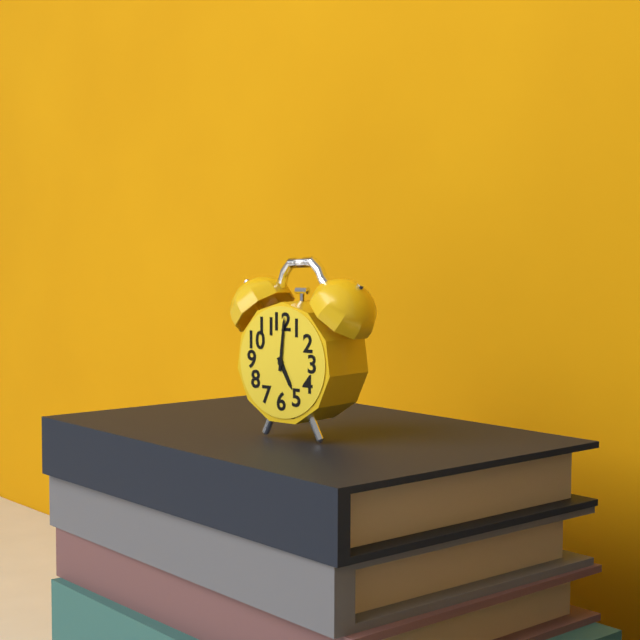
5h01
